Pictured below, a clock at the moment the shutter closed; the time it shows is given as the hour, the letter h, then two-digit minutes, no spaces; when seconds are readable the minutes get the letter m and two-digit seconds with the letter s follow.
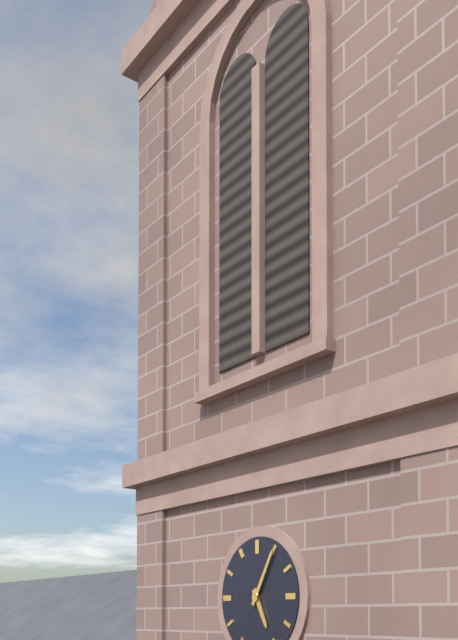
5h05
